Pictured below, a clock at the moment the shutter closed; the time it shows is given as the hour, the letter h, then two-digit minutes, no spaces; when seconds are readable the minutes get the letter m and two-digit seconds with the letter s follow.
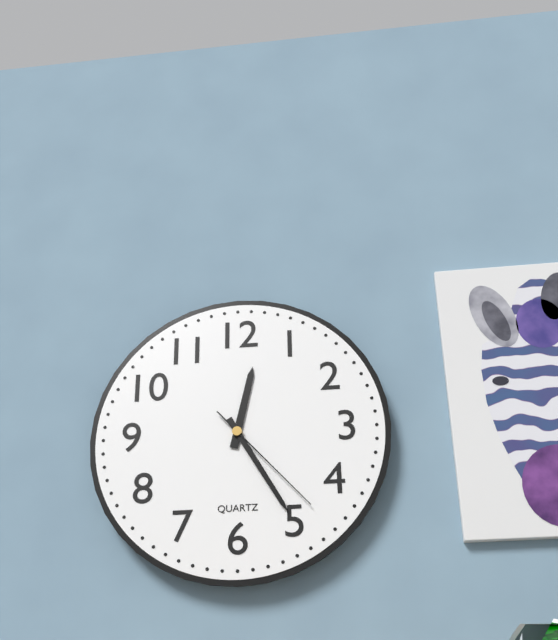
12h25m23s
